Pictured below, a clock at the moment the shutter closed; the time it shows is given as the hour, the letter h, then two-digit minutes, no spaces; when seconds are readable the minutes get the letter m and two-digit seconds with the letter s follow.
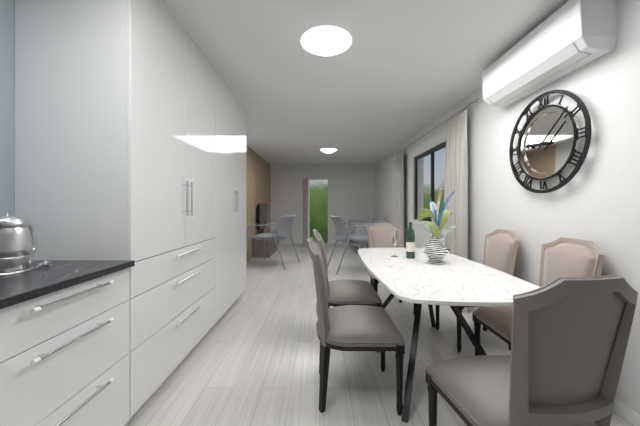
9h08
